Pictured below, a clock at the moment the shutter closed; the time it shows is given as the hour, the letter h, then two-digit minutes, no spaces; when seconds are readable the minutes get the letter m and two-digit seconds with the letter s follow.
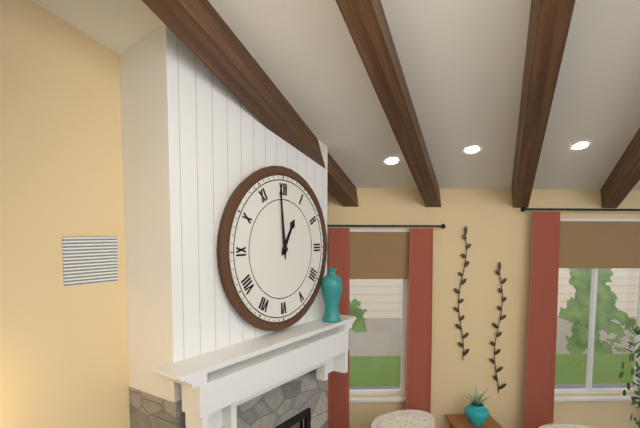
12h59
